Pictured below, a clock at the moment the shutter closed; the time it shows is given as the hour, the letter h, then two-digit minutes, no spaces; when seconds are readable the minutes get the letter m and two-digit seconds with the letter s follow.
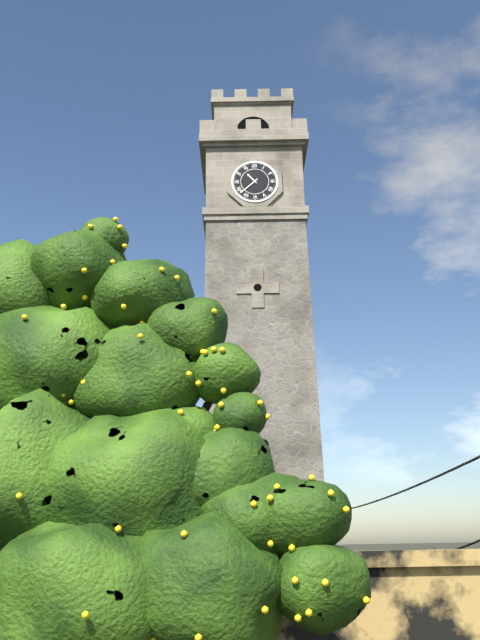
10h38
